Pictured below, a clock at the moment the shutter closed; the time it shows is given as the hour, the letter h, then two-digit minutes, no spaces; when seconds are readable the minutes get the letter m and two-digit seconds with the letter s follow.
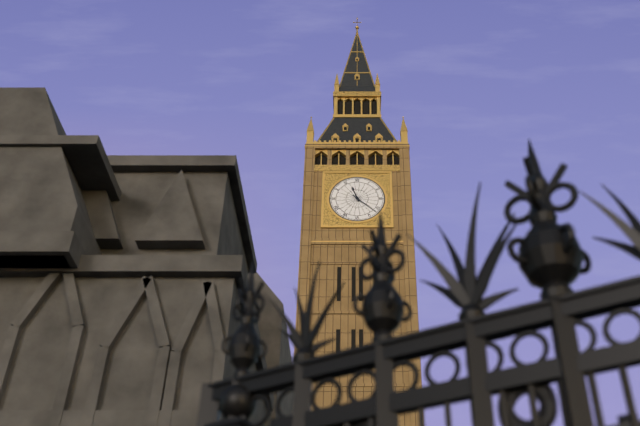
11h22
